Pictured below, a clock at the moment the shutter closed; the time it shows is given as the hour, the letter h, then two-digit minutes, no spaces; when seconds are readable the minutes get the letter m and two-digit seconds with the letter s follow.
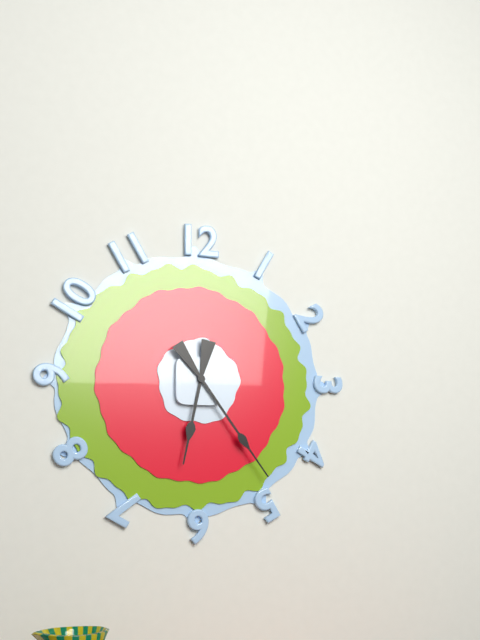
6h24
